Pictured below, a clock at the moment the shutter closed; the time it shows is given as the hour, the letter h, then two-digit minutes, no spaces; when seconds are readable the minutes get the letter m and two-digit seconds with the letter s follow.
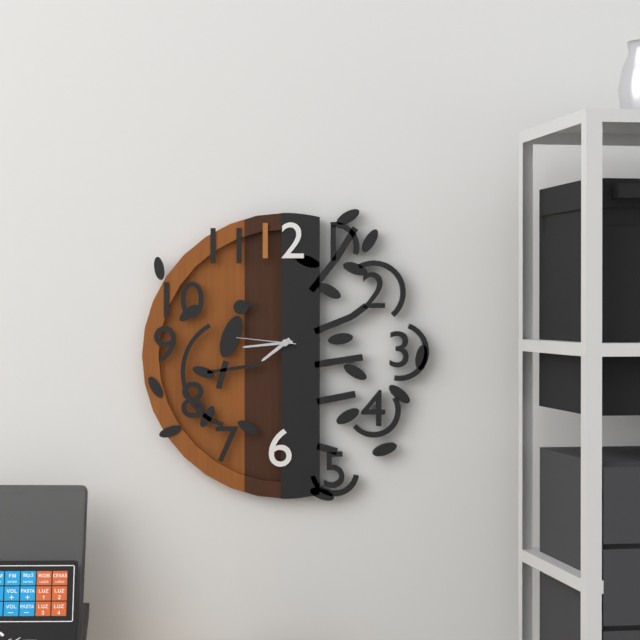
7h44m46s
